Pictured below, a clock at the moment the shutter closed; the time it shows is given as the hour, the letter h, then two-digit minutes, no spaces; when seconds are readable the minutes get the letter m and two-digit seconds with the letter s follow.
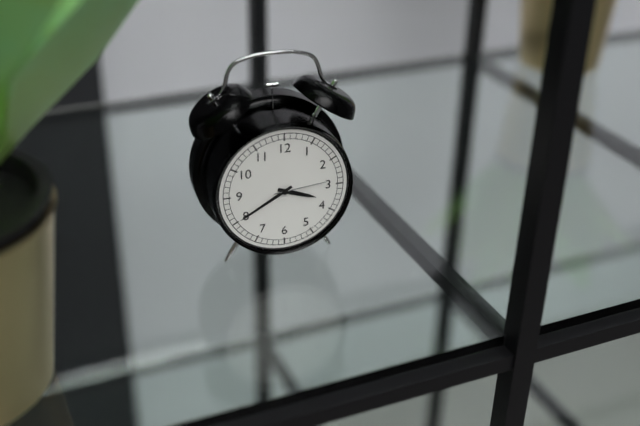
3h40m14s
